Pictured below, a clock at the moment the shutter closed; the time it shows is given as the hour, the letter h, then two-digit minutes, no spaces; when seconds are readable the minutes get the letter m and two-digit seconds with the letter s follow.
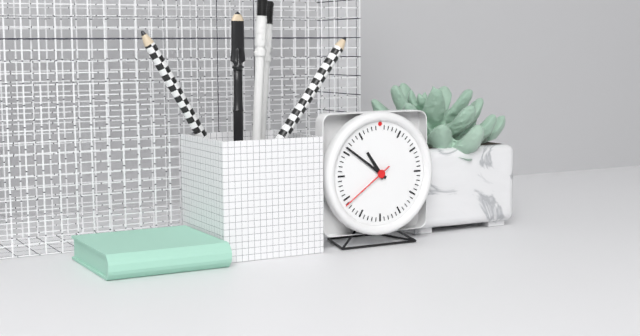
10h51m39s
